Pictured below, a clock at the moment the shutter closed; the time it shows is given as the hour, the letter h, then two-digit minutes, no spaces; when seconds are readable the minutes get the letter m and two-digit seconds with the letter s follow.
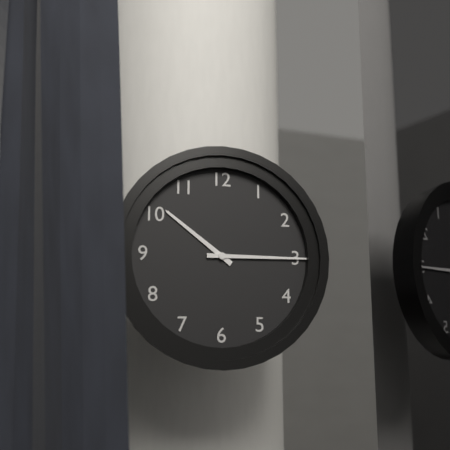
10h15
